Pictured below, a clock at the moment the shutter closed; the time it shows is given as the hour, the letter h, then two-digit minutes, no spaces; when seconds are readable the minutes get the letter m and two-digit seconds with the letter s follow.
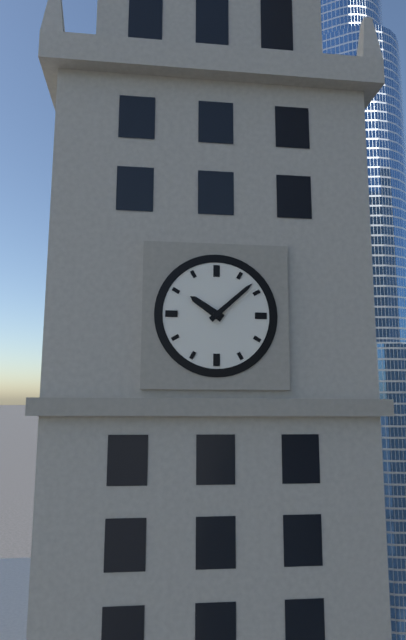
10h08
